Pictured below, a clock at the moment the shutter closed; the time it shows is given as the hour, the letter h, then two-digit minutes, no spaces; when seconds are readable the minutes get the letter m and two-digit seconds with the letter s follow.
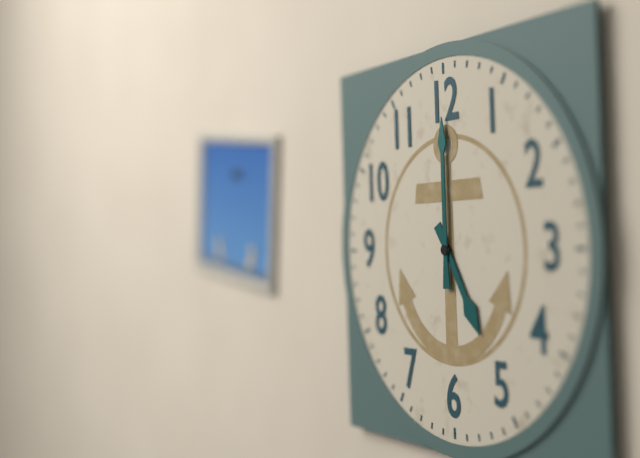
5h00
